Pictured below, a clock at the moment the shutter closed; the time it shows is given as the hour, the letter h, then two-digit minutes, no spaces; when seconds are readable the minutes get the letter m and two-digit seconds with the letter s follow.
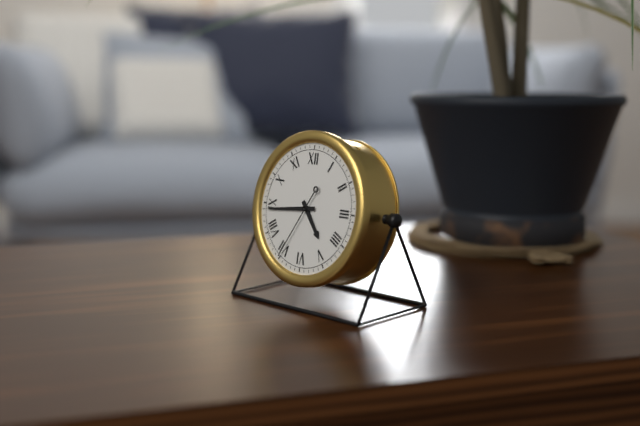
4h44m35s
